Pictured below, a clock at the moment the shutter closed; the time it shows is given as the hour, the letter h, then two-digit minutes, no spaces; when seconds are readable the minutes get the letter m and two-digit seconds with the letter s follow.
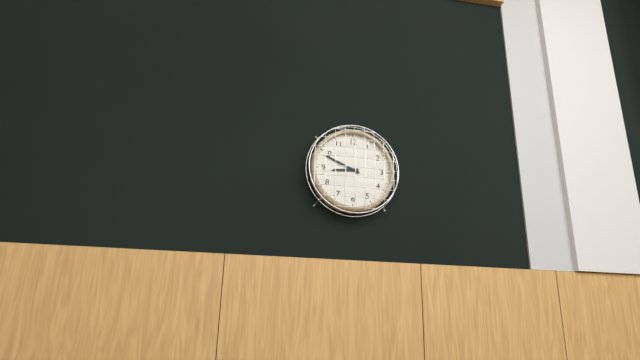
8h49
